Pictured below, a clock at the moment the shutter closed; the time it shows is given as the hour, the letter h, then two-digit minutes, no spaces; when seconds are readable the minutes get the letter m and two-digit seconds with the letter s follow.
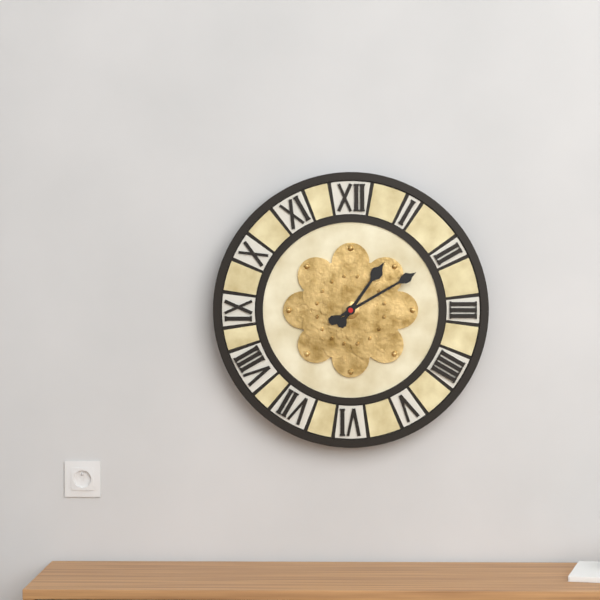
1h10
